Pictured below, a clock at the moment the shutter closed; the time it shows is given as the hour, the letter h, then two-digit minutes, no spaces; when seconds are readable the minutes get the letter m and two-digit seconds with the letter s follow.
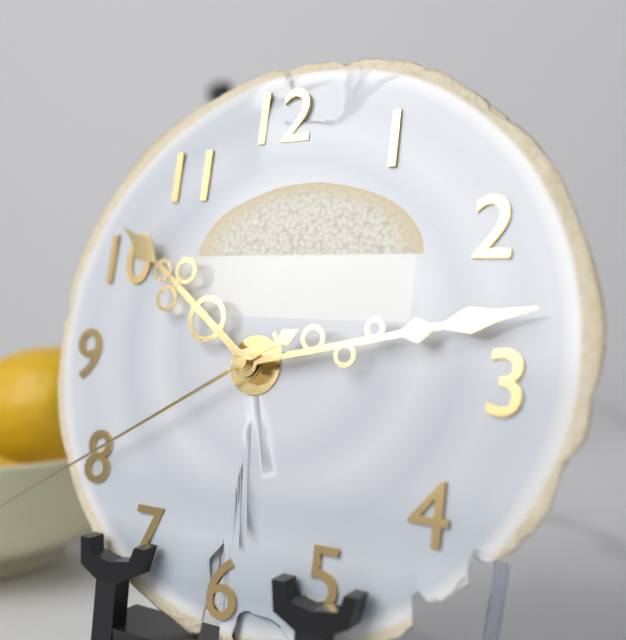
10h13
